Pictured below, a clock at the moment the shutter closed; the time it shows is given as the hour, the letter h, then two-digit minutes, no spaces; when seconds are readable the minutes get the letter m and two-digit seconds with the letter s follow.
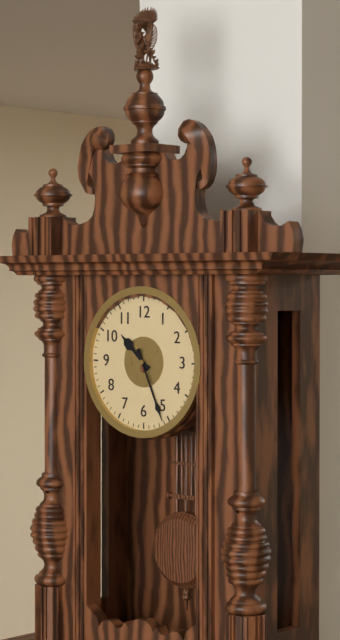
10h26
